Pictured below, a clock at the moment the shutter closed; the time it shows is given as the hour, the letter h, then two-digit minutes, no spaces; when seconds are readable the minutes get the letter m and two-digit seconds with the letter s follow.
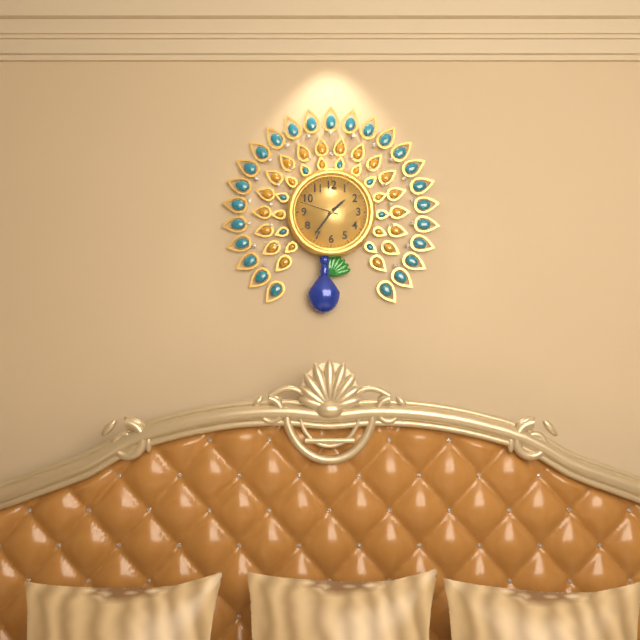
1h36
